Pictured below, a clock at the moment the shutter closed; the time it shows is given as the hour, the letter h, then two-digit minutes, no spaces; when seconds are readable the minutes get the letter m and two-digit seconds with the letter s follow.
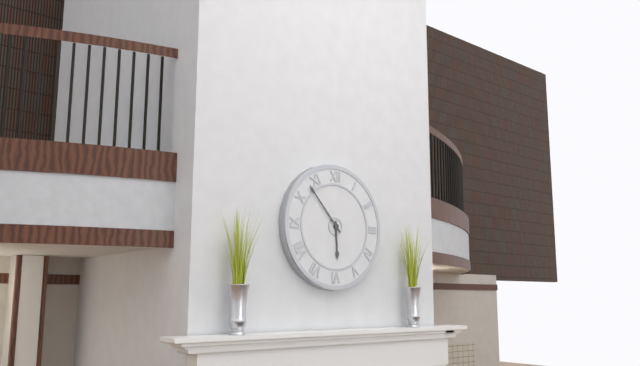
5h53
